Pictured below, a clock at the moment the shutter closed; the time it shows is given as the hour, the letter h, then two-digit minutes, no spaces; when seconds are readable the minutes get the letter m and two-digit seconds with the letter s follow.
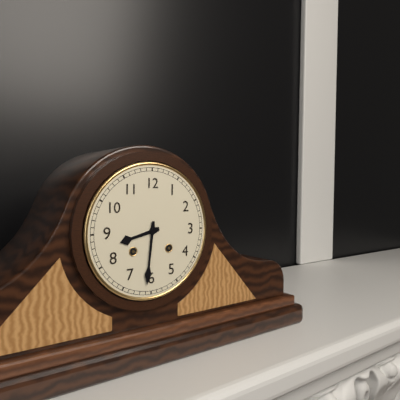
8h31
